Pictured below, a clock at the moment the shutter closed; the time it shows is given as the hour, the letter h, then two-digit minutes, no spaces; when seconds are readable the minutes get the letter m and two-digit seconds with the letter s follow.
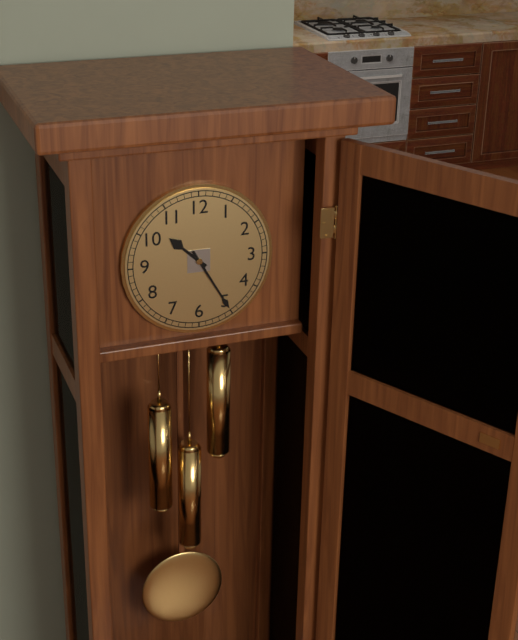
10h25
